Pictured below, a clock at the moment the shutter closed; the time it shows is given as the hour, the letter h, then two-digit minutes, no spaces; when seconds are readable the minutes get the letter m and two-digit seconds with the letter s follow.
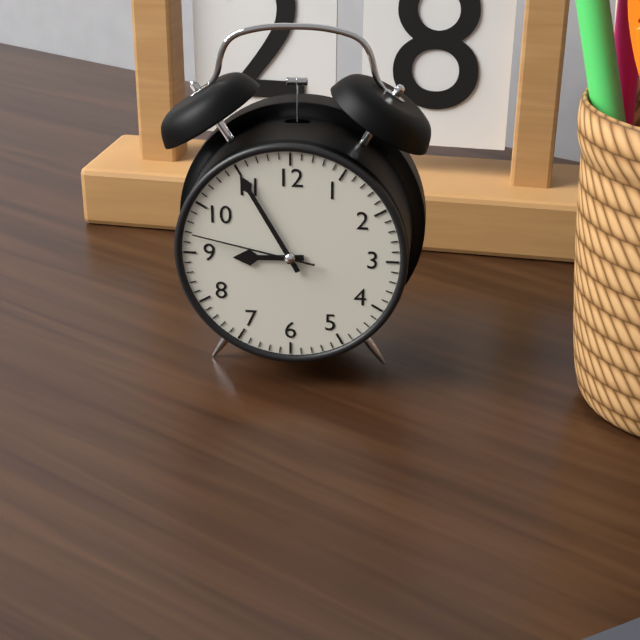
8h55m47s
